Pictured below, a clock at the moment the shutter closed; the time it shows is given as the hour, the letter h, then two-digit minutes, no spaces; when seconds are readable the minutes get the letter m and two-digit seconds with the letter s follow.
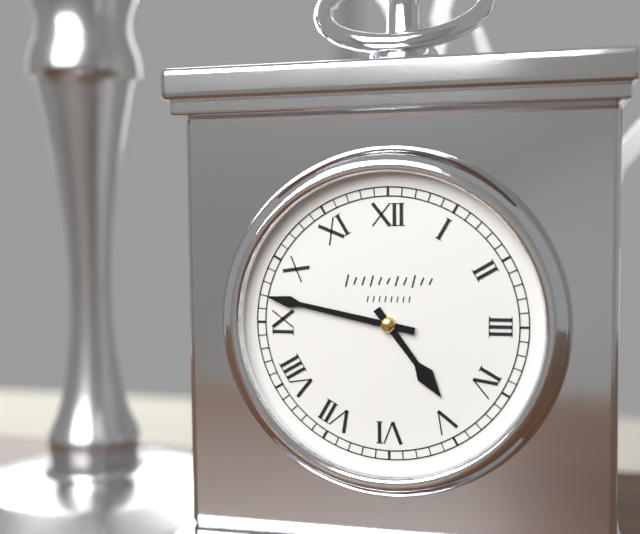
4h47
